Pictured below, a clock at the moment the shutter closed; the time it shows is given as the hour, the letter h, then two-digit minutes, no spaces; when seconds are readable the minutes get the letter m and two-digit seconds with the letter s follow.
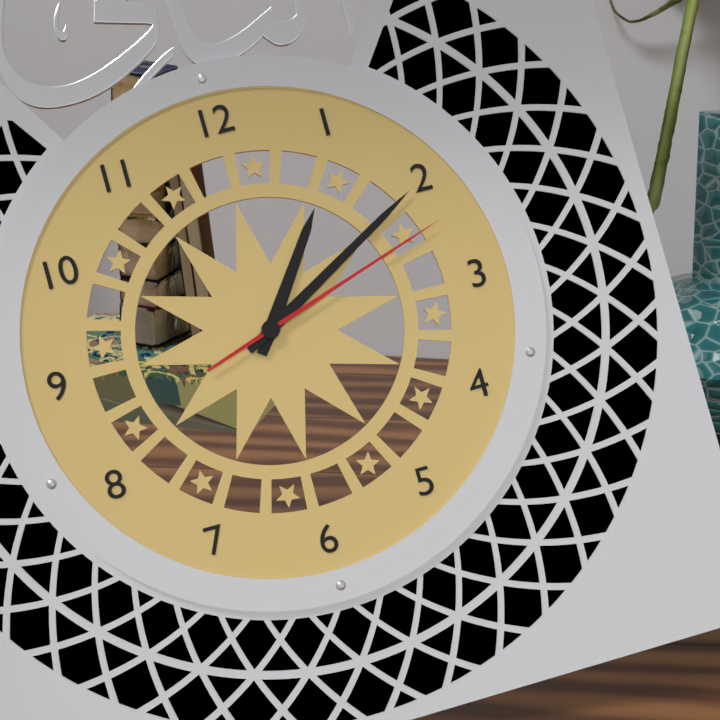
1h10m12s
